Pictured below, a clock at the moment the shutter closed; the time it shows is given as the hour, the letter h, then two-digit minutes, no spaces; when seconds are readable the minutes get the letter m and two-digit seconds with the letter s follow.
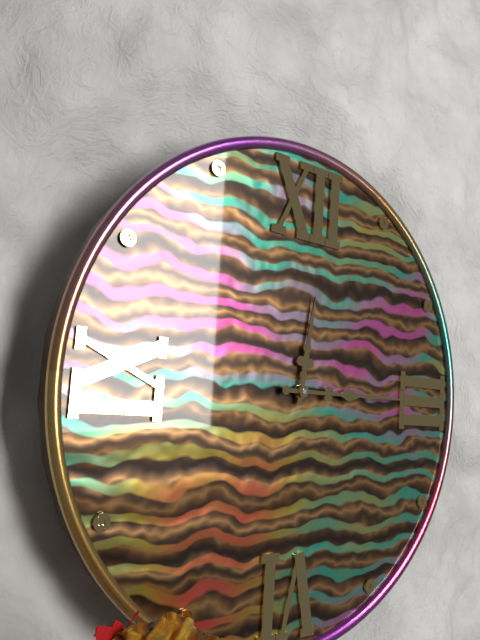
12h15
